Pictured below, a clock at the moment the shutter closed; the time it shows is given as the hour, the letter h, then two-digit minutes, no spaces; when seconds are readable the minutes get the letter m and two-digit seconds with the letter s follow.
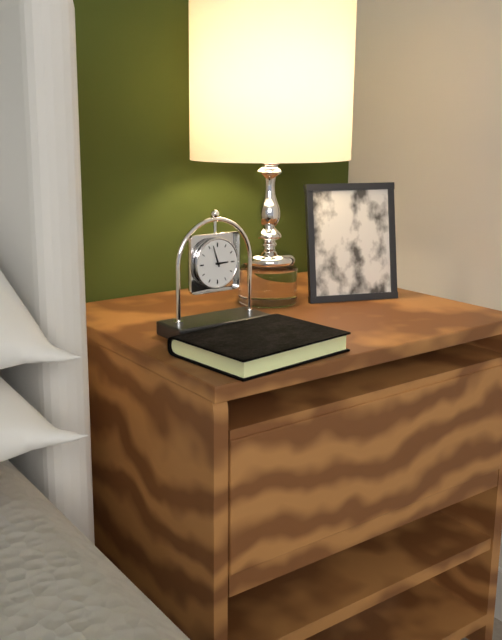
2h57
